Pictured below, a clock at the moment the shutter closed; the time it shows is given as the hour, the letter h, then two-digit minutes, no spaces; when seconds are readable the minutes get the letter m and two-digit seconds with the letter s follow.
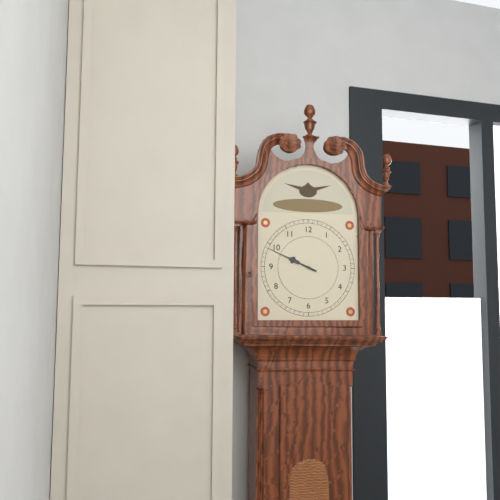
9h49
